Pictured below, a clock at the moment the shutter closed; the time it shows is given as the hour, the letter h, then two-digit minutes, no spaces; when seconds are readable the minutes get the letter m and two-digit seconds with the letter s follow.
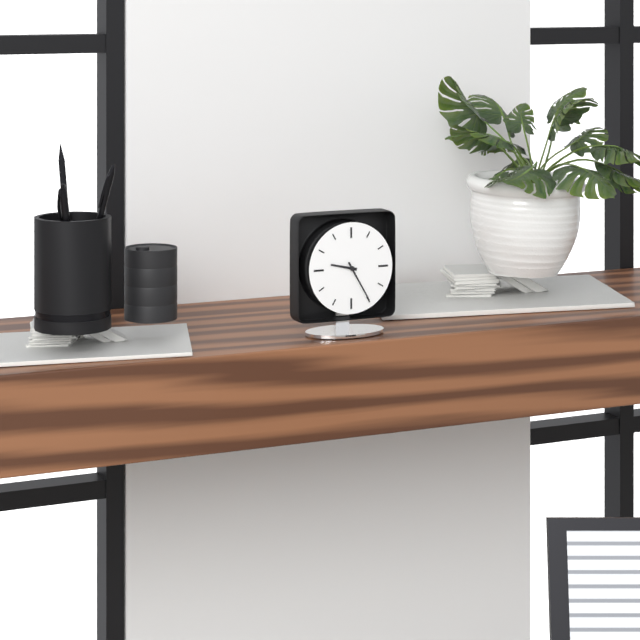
9h25
